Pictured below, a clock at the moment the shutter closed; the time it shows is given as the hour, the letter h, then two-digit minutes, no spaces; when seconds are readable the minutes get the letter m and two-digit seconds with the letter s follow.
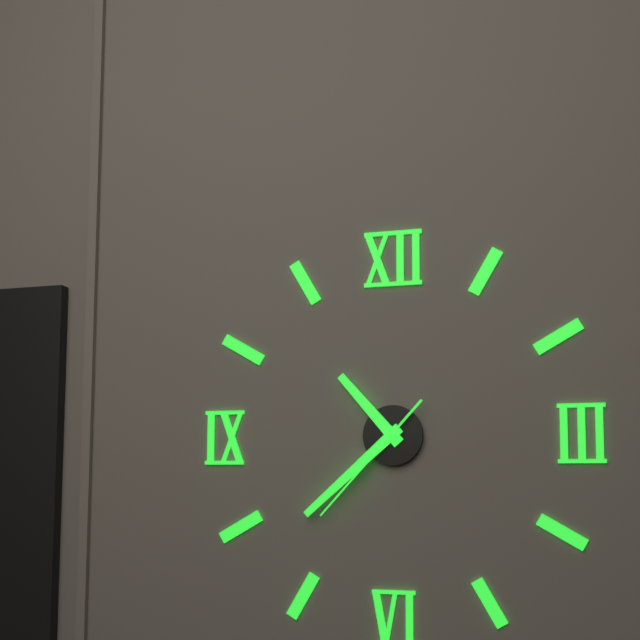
10h38m37s
